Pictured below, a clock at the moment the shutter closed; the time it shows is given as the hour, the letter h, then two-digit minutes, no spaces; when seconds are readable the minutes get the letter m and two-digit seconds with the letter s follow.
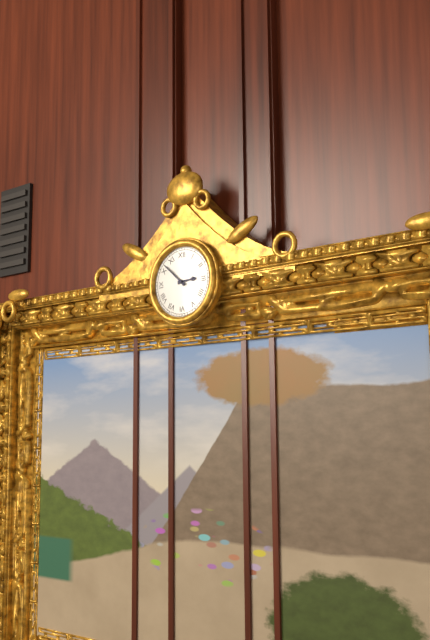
2h52
